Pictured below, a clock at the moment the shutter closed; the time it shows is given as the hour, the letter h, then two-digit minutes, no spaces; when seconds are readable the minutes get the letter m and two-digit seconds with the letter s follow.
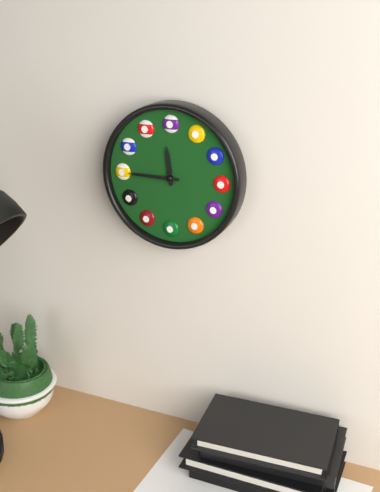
11h45
